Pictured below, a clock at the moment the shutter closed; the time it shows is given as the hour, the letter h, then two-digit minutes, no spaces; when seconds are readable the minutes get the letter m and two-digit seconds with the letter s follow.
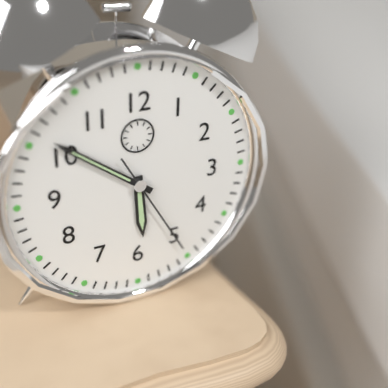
5h51m25s
